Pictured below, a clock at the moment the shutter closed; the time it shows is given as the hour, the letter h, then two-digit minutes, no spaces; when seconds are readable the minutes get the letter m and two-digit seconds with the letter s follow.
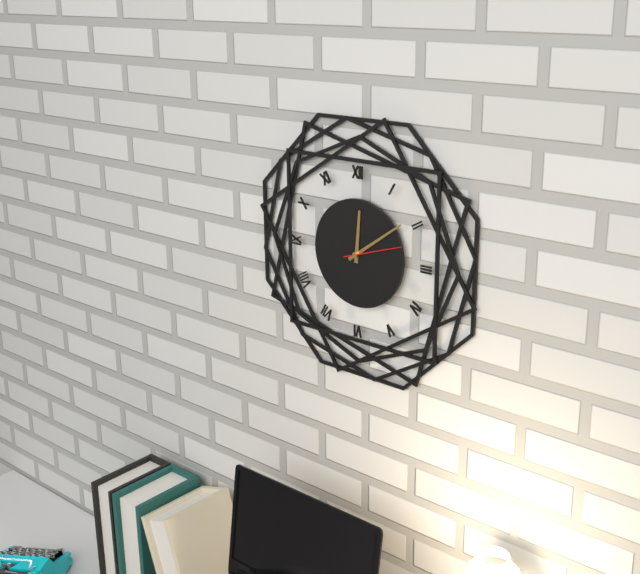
12h09m12s
